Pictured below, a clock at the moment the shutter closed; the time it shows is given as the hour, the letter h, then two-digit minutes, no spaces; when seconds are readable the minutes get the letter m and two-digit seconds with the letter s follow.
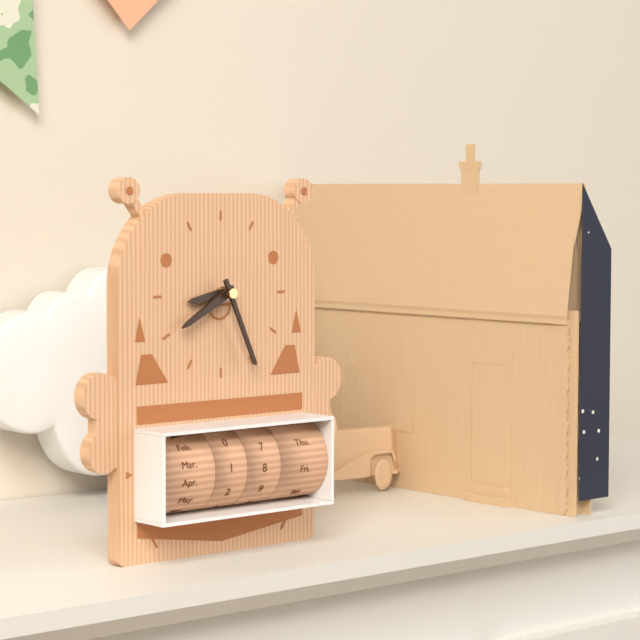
8h40m26s
